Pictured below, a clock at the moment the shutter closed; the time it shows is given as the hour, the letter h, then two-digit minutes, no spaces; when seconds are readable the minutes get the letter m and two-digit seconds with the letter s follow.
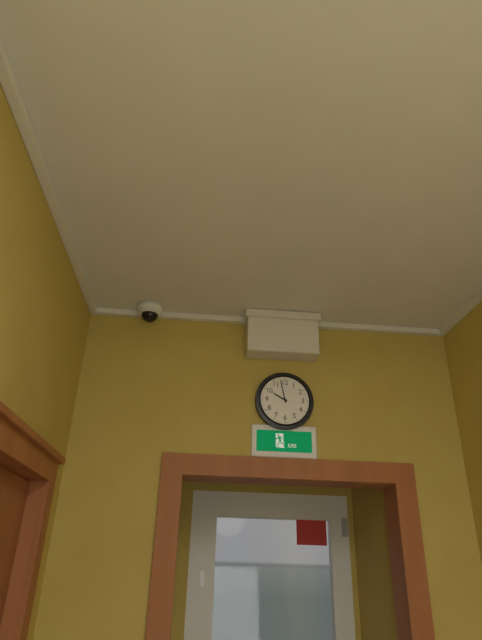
9h58
